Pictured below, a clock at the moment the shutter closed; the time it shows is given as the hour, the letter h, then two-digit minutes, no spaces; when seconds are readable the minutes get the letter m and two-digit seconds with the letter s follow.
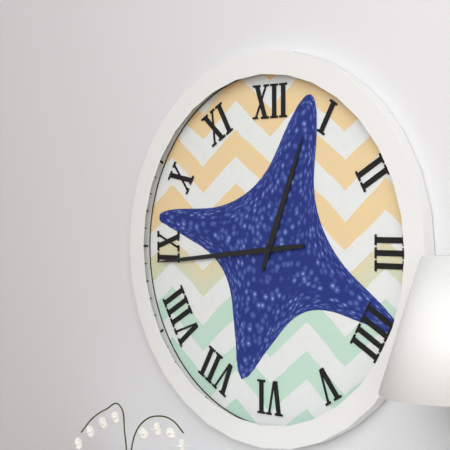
12h44
